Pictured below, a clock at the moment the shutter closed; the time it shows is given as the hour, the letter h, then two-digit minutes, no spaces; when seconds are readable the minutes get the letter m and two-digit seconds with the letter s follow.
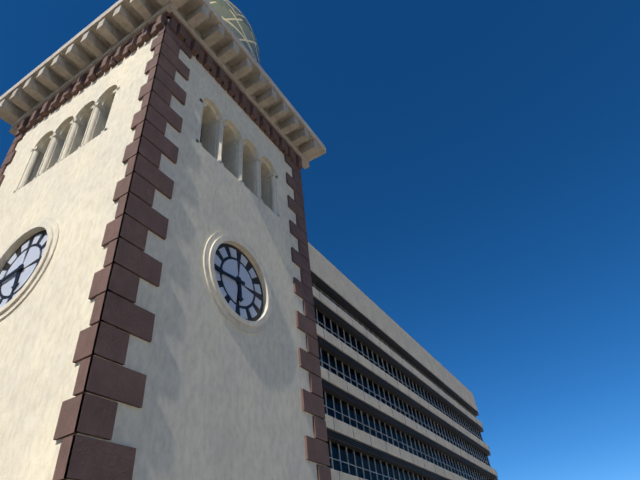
5h44
